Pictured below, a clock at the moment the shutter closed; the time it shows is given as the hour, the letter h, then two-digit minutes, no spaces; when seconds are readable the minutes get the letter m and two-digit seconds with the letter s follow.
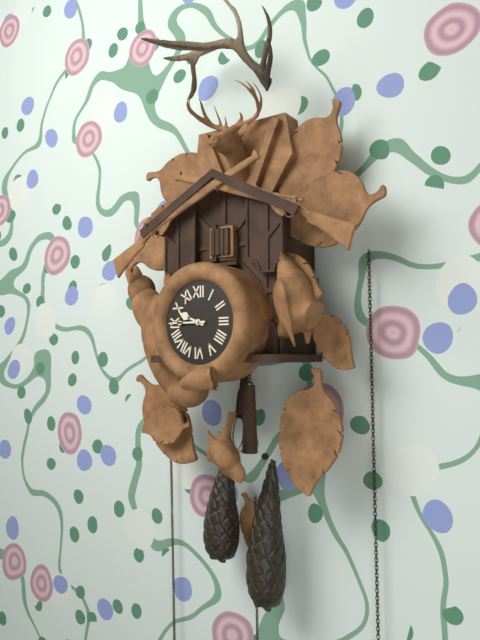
9h45
